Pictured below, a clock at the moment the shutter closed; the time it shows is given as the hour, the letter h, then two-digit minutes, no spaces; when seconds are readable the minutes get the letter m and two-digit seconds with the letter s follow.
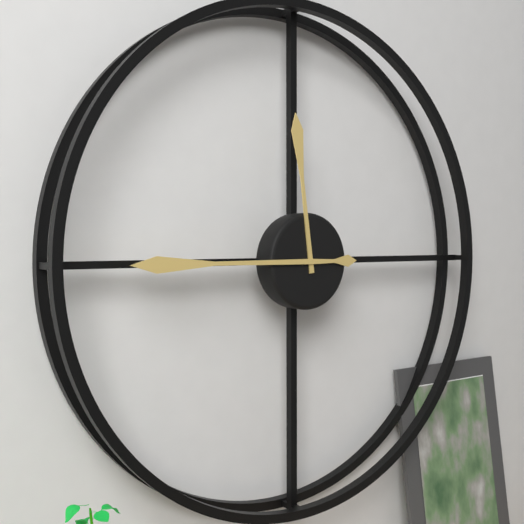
11h45
